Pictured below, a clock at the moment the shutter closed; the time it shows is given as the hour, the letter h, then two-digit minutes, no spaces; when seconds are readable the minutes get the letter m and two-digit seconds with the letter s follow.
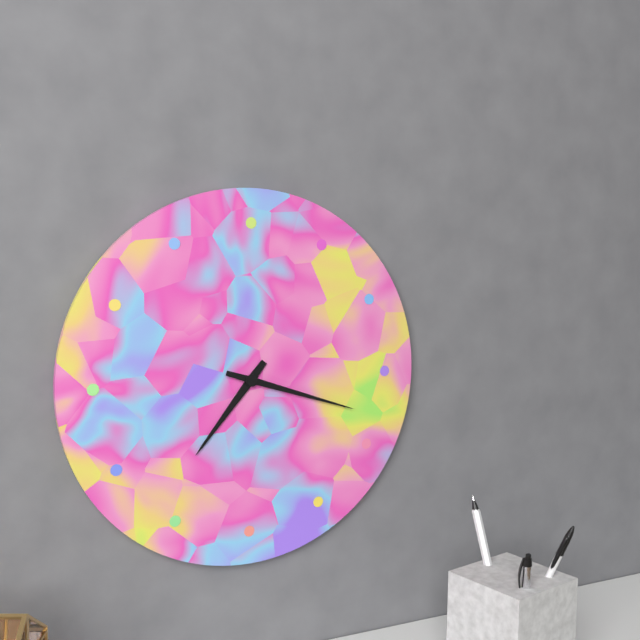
7h18
